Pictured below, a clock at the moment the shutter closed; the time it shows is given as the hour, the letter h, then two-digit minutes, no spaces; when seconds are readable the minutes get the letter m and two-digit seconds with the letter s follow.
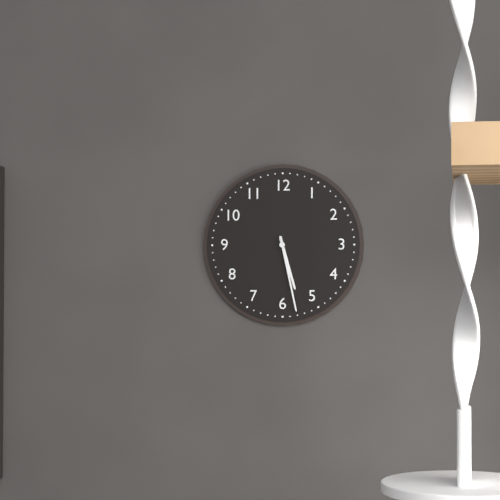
5h28
